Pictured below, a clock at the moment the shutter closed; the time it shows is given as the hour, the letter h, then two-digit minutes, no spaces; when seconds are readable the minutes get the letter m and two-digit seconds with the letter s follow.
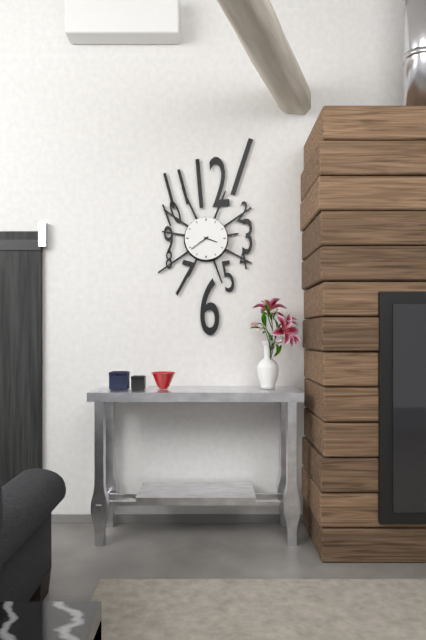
3h39
